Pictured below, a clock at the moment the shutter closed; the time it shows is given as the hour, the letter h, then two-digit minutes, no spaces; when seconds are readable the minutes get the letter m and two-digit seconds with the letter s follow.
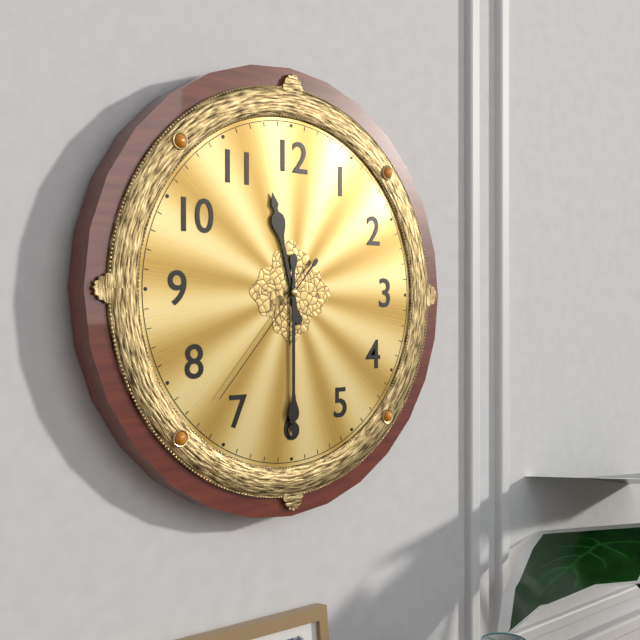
11h30m37s
